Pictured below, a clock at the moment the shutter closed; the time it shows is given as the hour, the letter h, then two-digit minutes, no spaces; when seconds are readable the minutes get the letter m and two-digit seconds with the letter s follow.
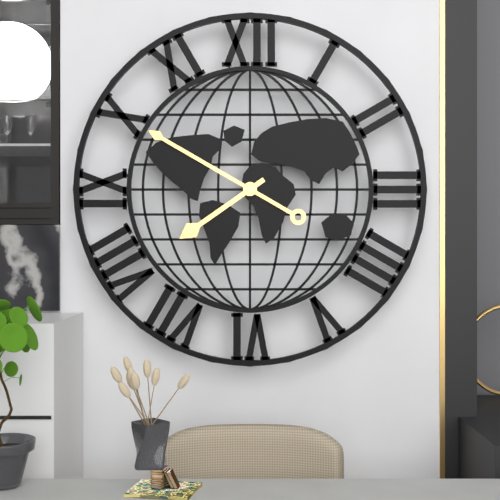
7h50
